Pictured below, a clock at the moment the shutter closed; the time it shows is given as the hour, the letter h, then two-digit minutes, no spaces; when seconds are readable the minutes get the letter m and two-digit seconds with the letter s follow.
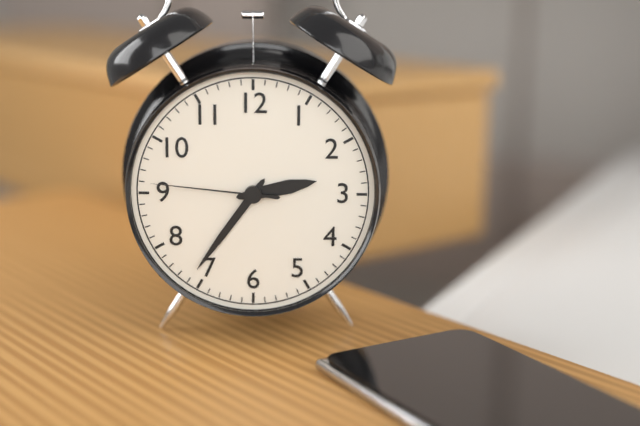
2h36m46s
